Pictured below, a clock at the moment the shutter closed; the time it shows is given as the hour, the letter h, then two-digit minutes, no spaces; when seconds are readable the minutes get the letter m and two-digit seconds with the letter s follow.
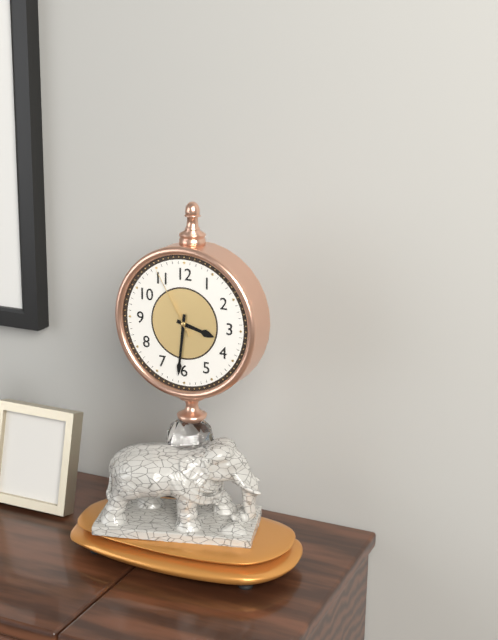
3h31m55s
